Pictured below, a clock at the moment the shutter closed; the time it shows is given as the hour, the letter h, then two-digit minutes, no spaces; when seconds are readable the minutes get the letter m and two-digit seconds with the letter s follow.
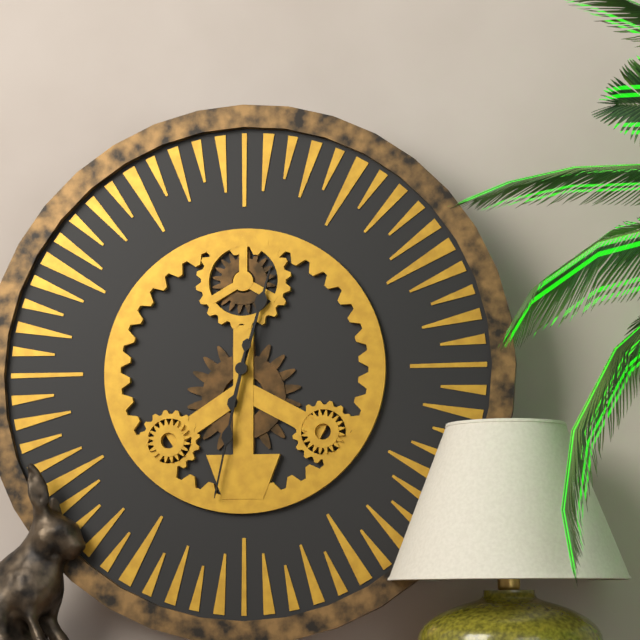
12h32
